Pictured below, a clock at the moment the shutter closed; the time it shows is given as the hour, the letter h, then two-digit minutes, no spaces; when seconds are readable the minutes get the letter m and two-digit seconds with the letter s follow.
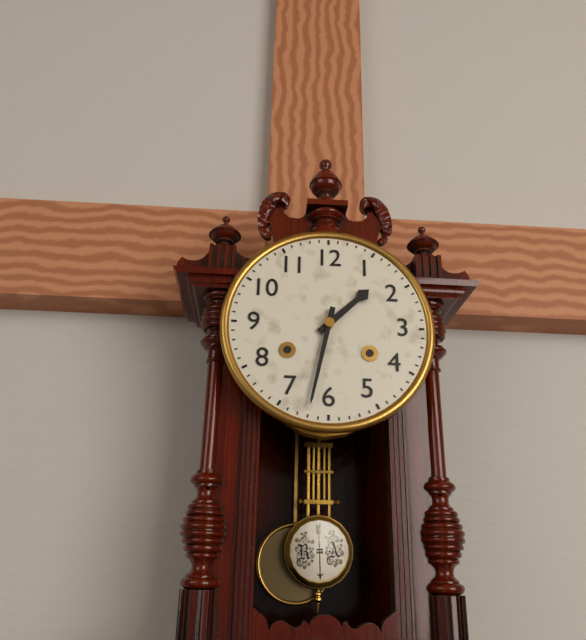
1h32
